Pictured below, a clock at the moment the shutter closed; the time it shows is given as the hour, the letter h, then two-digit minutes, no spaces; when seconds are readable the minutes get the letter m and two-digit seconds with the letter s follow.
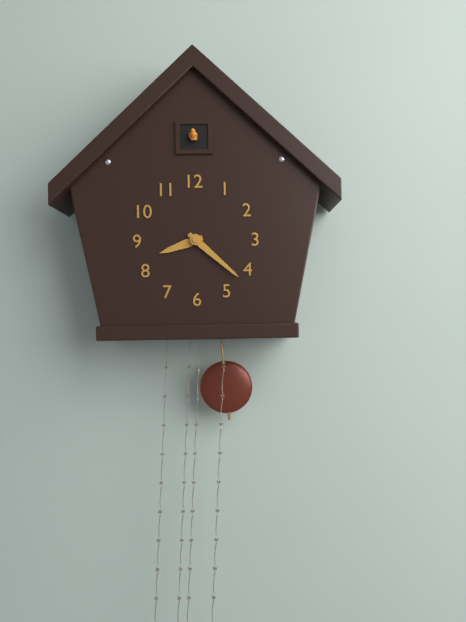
8h22
